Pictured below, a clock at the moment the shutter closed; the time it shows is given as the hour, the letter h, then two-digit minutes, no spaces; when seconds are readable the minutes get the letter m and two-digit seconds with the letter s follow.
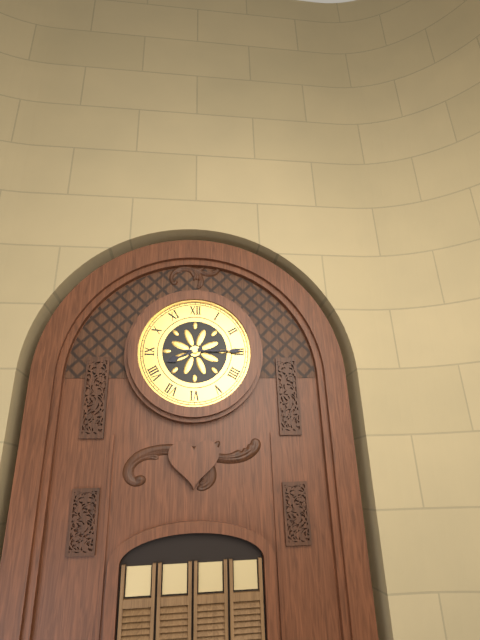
8h15
